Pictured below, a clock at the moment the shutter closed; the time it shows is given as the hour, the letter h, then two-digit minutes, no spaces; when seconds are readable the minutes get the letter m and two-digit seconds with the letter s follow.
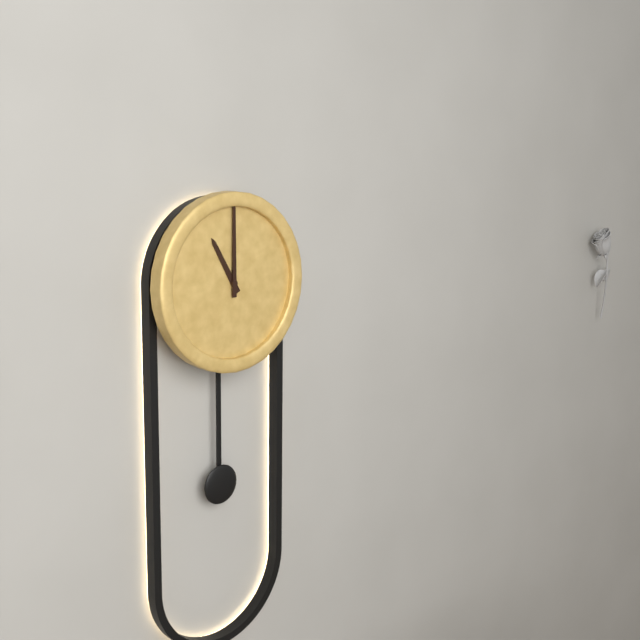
11h00
